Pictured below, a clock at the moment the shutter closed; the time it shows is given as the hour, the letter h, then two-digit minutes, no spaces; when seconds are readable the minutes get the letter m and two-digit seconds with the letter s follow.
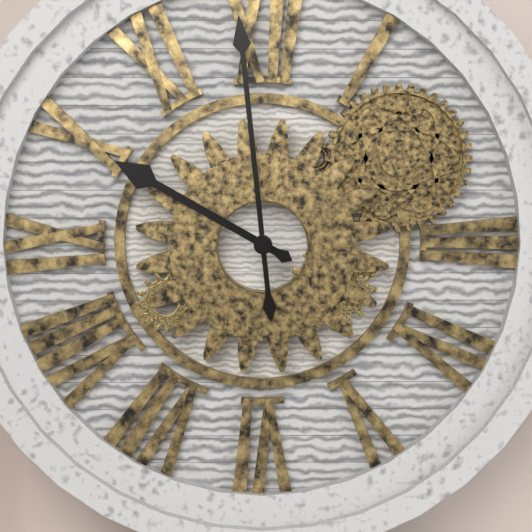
9h59
